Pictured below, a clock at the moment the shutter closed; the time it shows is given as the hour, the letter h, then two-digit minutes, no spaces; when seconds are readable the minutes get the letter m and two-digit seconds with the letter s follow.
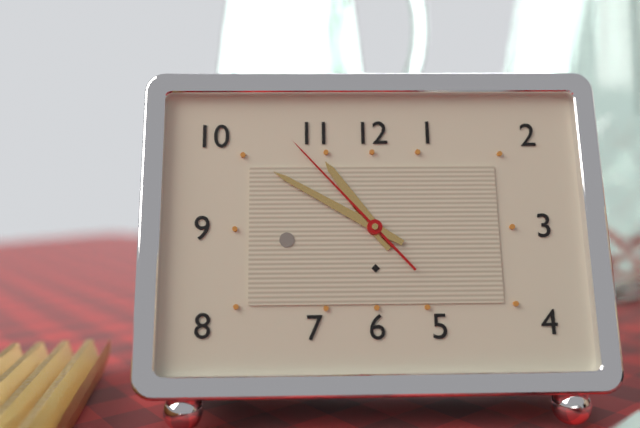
10h50m53s
